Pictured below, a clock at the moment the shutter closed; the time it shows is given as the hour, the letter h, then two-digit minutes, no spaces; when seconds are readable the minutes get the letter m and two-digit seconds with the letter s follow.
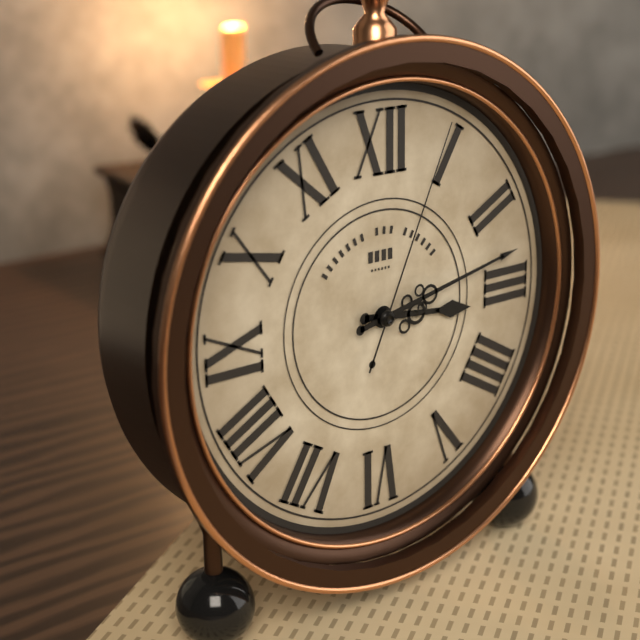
3h13m04s
